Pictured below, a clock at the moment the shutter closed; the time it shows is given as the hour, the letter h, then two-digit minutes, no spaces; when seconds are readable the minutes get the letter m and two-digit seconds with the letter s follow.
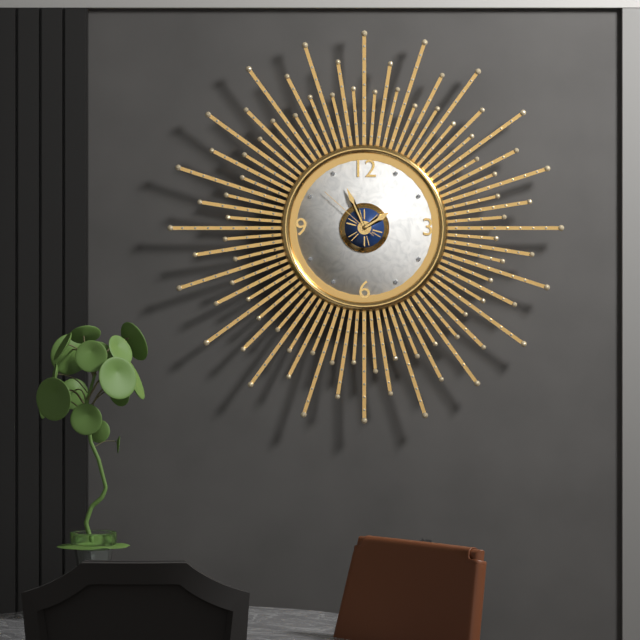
1h56m52s
